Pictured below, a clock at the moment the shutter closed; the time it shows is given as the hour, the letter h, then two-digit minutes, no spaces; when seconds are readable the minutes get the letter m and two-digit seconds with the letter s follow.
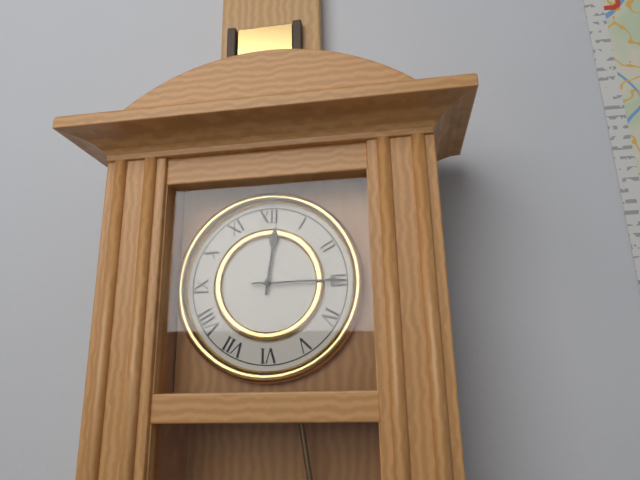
12h15
